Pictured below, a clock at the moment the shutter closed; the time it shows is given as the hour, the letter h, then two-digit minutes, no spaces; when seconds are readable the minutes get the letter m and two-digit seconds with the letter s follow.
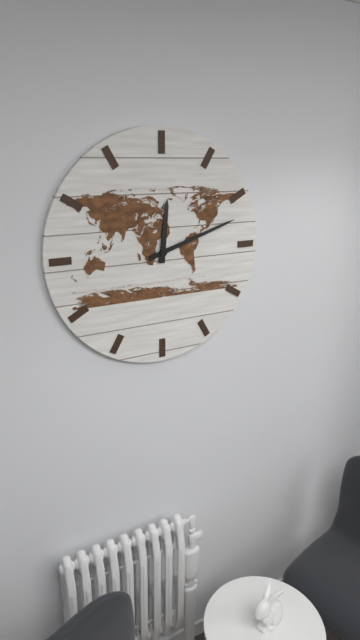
12h12
